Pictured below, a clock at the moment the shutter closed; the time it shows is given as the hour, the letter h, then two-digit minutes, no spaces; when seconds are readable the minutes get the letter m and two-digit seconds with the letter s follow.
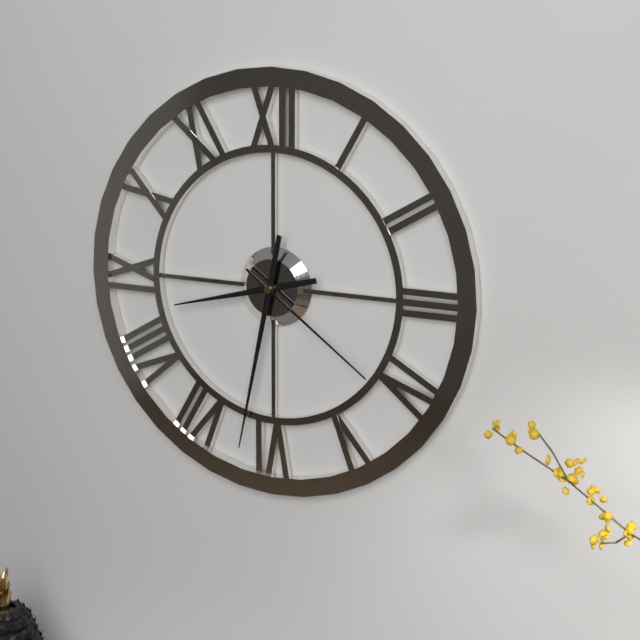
8h32m21s
